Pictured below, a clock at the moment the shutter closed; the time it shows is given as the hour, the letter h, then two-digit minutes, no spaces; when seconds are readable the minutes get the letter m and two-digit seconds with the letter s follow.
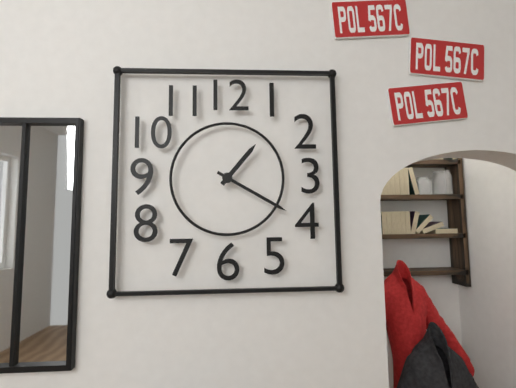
1h20
